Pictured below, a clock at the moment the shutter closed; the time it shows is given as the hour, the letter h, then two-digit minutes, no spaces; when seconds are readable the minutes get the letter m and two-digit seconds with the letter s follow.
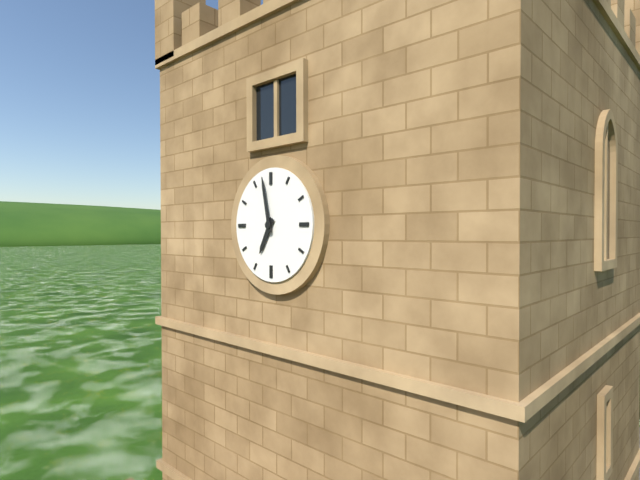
6h58
